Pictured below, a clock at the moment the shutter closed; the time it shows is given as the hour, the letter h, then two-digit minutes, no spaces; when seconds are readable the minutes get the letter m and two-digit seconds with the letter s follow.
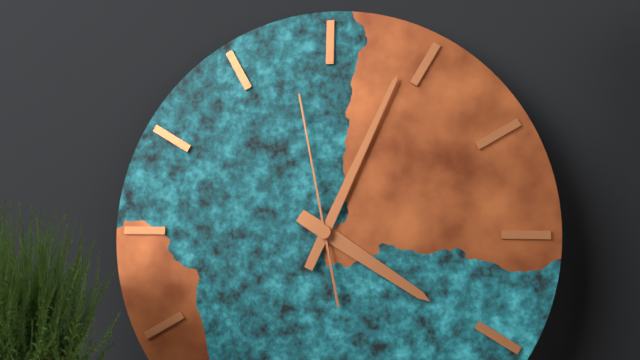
4h04m58s
